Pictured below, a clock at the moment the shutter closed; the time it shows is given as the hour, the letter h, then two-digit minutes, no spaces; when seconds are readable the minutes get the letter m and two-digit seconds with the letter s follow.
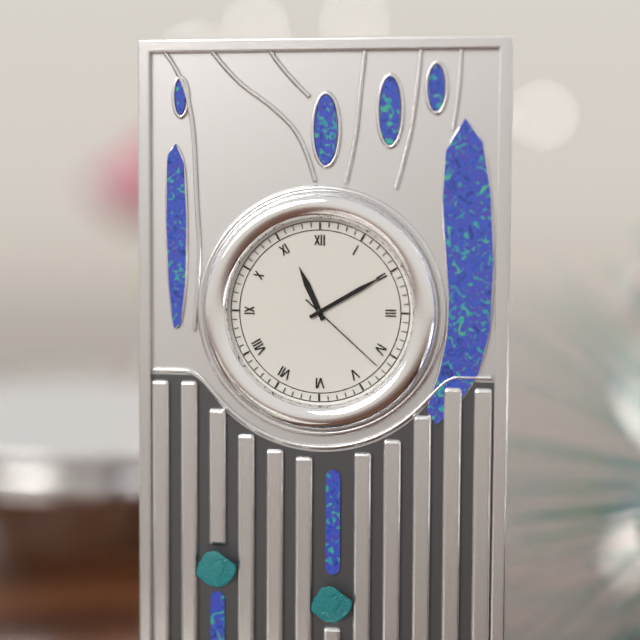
11h10m22s
